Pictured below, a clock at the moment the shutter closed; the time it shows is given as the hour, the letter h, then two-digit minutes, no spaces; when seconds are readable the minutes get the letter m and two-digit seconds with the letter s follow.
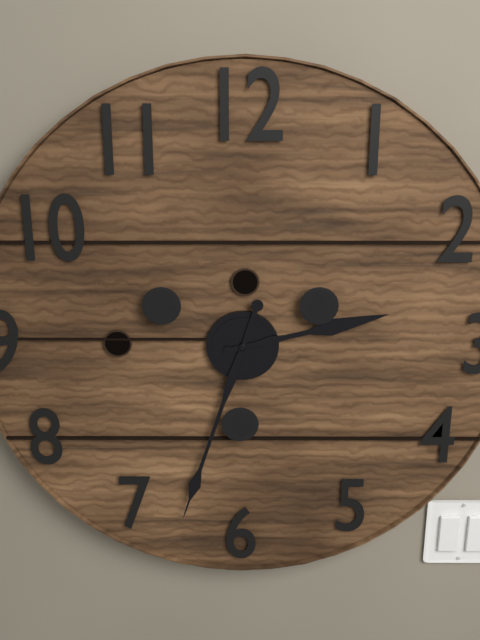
2h33
